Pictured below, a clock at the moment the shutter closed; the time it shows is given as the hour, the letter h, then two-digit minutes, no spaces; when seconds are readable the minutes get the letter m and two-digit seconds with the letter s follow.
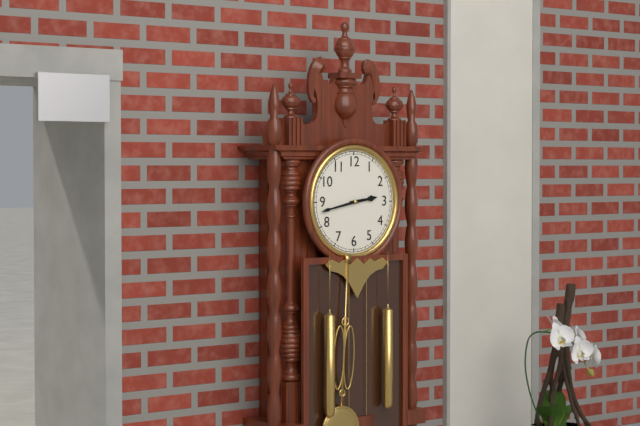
2h43
